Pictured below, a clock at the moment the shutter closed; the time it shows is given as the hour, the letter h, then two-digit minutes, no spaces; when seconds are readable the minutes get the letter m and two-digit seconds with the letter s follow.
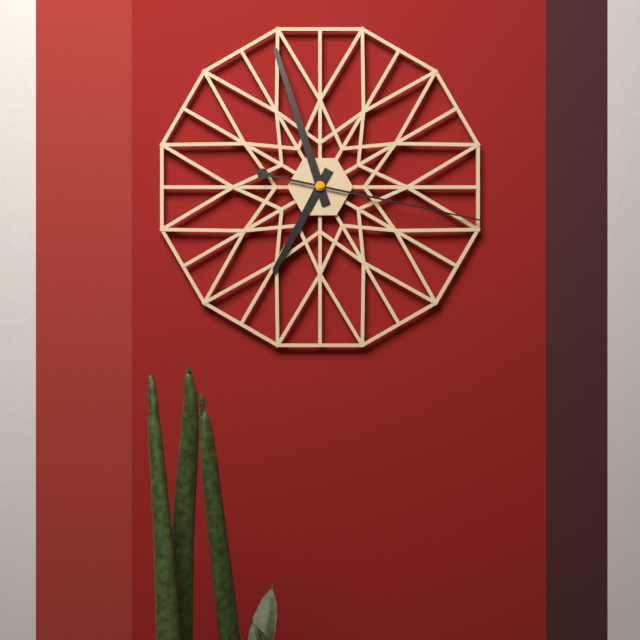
6h57m17s
